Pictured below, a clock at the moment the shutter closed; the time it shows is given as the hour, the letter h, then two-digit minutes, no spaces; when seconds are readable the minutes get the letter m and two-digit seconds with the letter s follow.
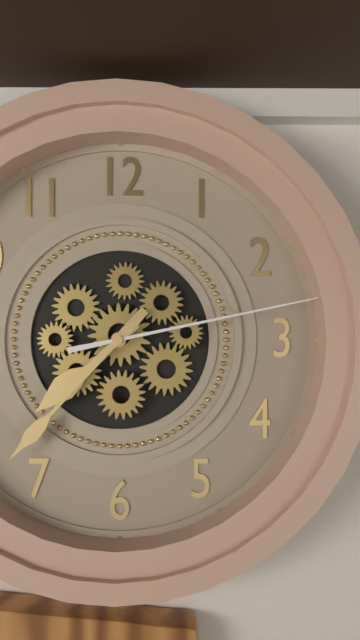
7h37m13s
